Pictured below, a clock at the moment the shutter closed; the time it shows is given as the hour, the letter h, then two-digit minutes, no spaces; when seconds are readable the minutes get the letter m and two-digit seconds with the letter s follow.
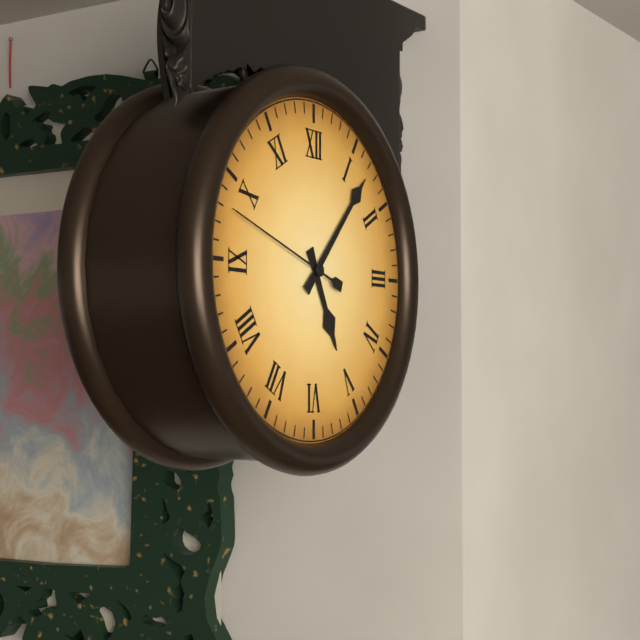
5h07m48s
